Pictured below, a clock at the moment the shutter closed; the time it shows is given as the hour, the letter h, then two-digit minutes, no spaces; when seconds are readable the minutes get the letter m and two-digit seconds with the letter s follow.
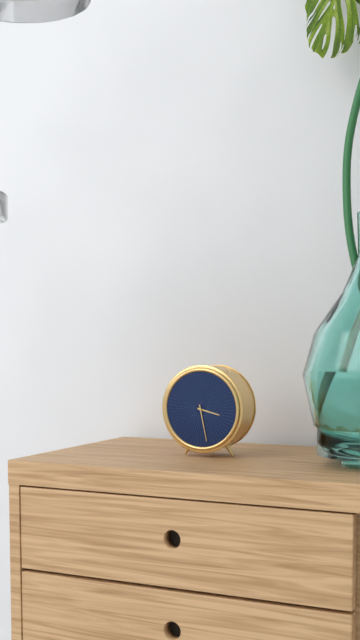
3h28
